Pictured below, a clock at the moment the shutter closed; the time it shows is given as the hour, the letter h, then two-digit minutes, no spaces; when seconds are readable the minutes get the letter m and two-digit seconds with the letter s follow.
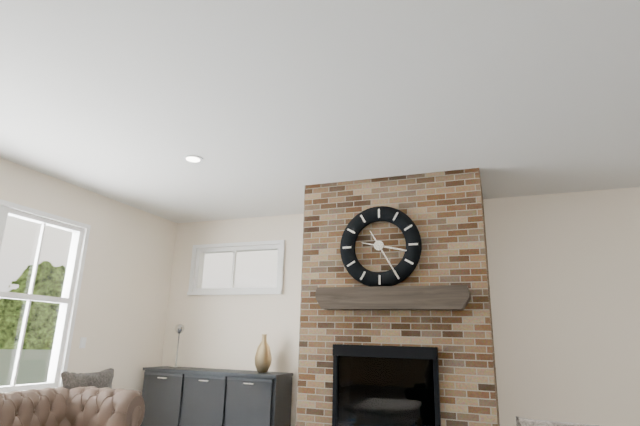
3h25
